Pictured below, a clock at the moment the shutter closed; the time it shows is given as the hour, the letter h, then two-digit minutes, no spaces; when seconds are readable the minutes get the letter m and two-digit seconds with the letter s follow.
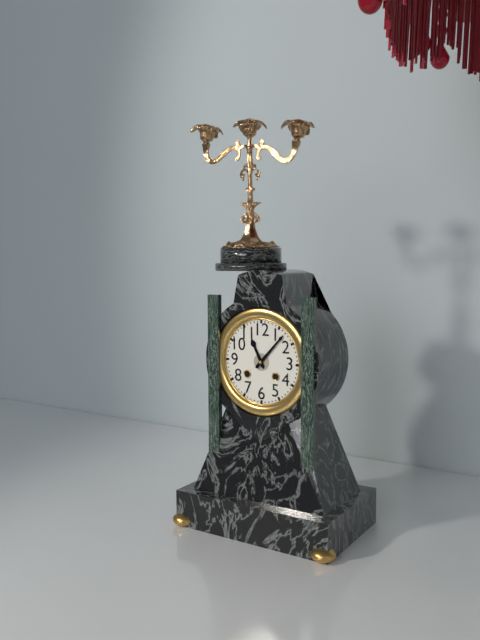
11h07
